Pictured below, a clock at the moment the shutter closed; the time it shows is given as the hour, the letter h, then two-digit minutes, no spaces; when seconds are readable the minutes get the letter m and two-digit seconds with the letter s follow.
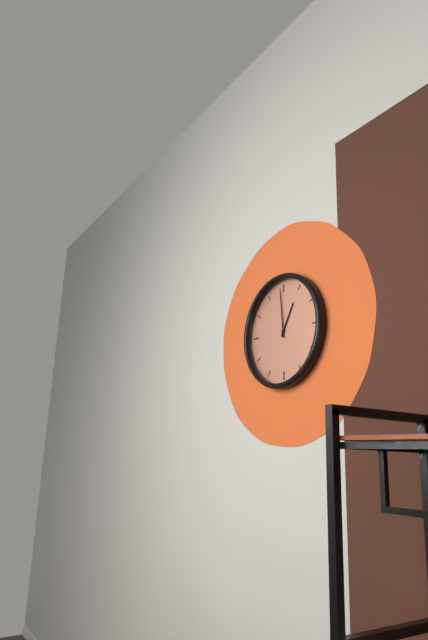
12h59
